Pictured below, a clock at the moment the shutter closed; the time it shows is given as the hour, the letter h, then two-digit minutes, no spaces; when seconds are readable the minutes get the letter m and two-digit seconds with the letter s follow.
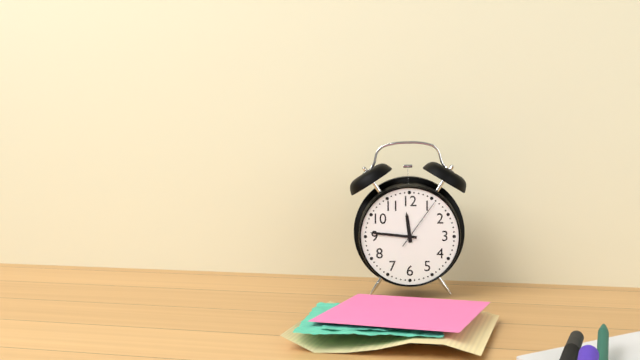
11h46m06s
